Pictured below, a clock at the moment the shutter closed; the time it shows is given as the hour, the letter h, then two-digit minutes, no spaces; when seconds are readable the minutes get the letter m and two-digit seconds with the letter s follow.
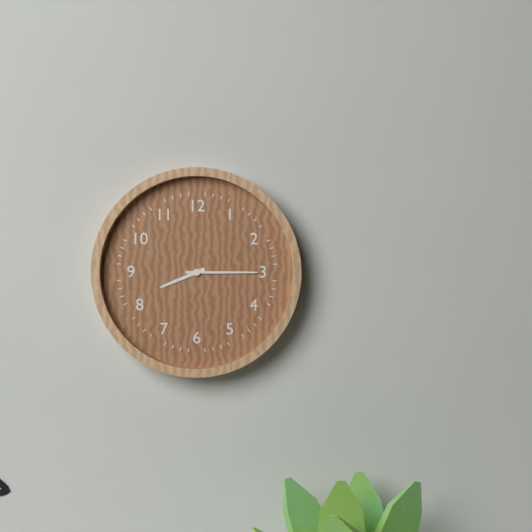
8h15
